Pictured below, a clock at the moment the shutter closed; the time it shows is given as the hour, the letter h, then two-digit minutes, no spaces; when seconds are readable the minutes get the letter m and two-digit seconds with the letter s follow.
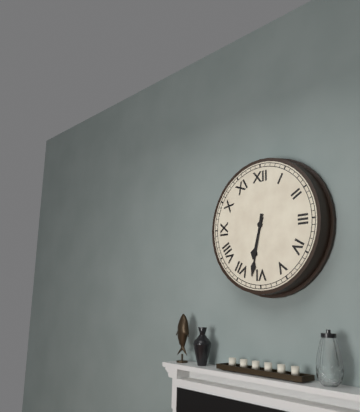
6h32
